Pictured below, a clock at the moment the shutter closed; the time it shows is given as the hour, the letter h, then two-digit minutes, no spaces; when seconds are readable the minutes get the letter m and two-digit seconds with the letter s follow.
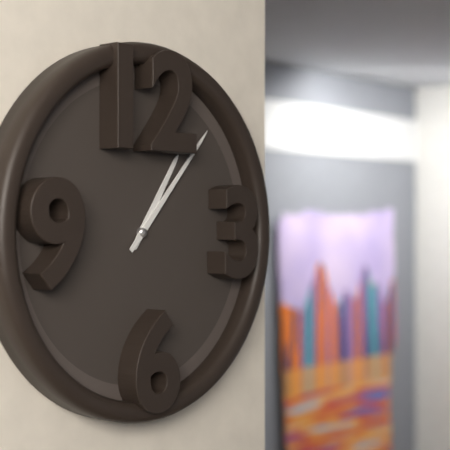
1h07
